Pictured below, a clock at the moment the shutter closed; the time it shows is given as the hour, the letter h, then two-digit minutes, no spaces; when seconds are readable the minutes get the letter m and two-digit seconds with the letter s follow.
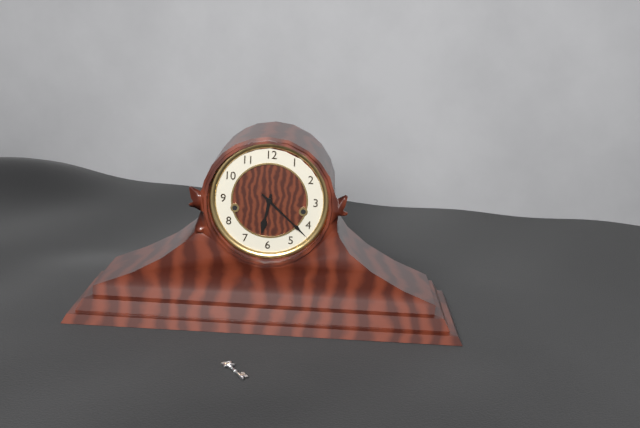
6h22
